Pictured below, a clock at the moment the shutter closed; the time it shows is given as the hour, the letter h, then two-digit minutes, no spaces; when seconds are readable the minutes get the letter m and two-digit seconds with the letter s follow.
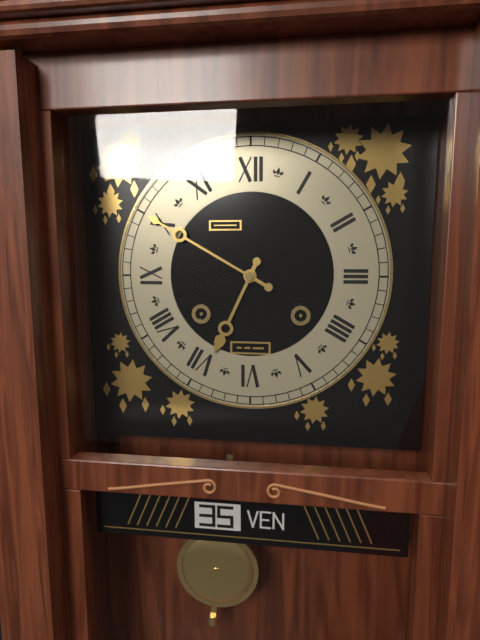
6h50
